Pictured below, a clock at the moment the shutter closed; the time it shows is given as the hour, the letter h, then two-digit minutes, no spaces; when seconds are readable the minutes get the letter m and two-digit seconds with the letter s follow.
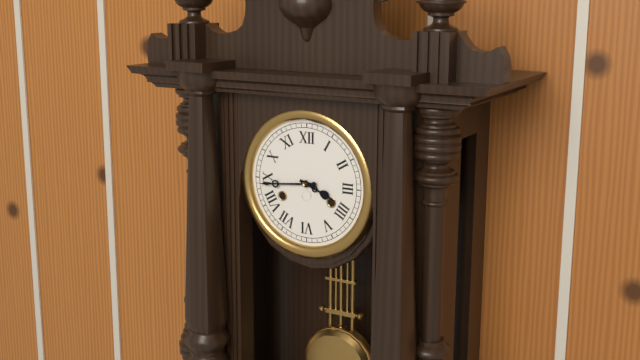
3h44
